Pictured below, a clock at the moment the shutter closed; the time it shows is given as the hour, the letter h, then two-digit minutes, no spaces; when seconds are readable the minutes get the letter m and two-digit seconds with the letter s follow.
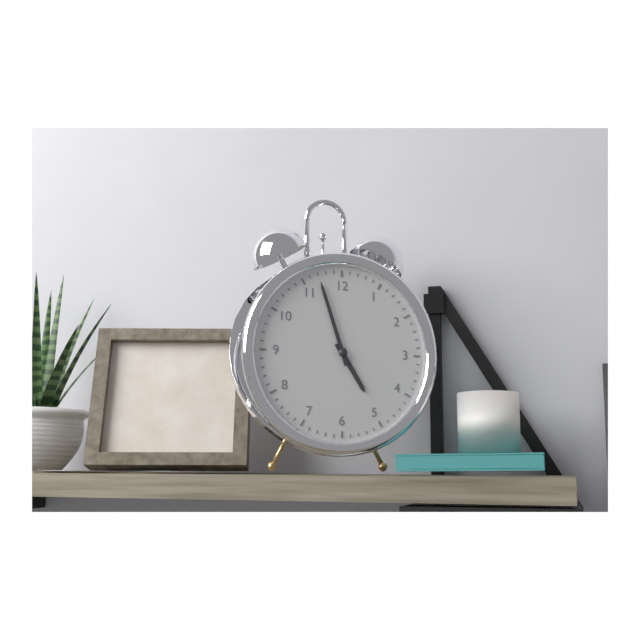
4h57
